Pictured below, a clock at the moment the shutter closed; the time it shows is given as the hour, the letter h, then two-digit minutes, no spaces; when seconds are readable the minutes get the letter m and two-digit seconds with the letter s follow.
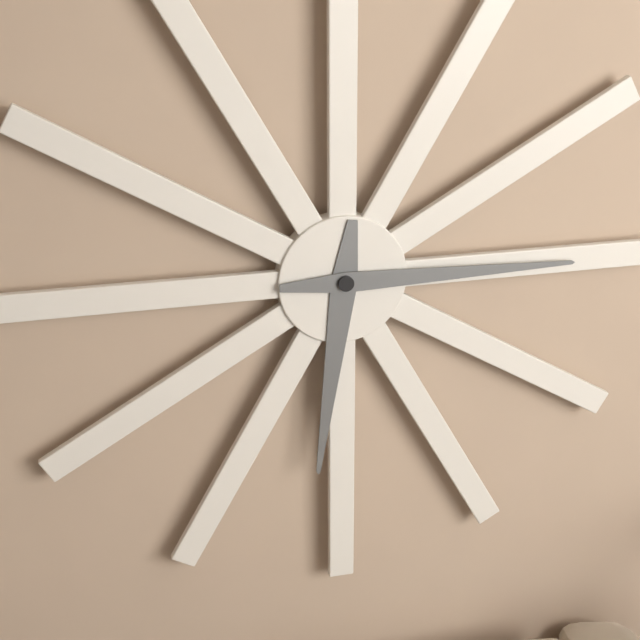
6h15
